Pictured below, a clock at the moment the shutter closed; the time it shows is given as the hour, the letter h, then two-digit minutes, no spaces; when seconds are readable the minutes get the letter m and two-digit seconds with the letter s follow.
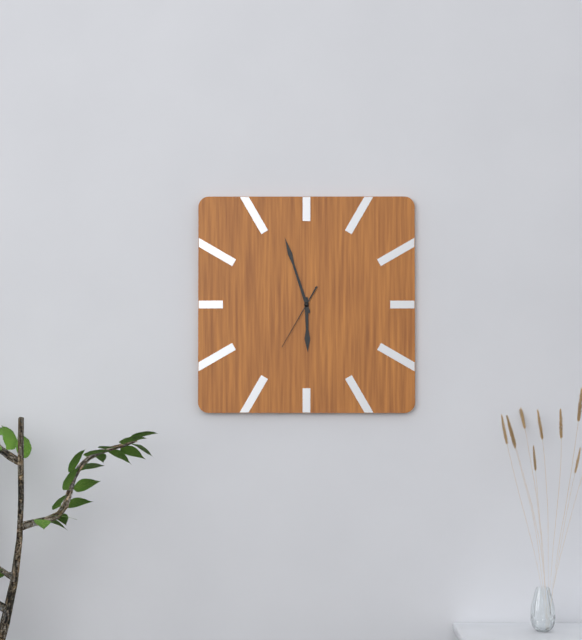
5h57m35s
